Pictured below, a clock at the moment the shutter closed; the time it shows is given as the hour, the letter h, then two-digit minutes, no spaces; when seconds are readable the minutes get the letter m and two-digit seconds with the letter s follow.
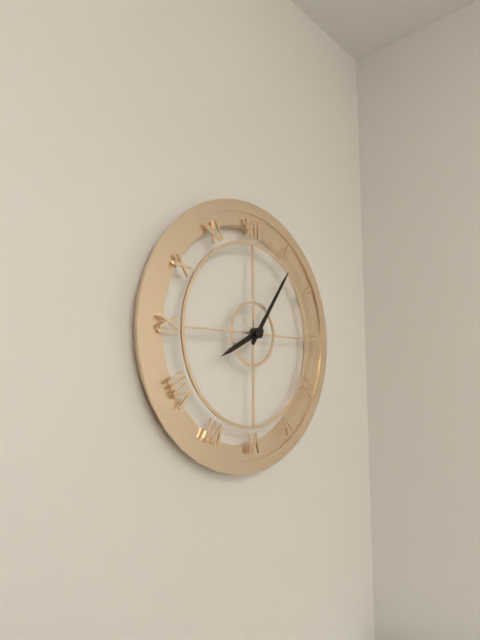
8h06
